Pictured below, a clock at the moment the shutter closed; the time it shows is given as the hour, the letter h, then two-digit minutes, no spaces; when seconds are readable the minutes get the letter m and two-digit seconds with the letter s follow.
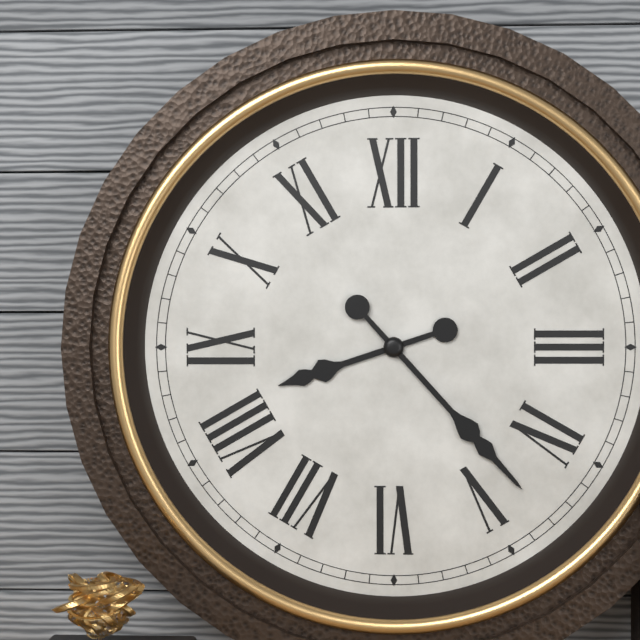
8h23
